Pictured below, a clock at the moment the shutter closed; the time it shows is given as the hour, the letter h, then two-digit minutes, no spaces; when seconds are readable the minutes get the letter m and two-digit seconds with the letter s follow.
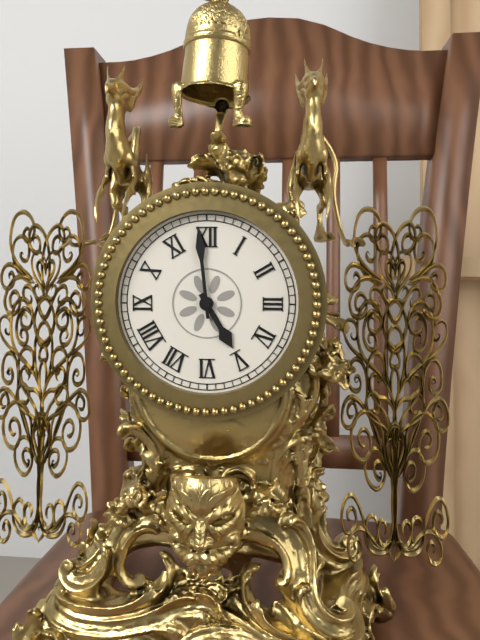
4h59
